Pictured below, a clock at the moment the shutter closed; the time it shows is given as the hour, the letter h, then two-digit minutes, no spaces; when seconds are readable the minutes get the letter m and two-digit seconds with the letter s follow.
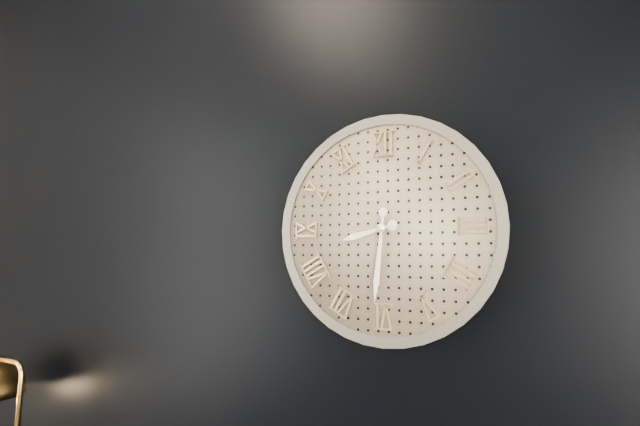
8h31
